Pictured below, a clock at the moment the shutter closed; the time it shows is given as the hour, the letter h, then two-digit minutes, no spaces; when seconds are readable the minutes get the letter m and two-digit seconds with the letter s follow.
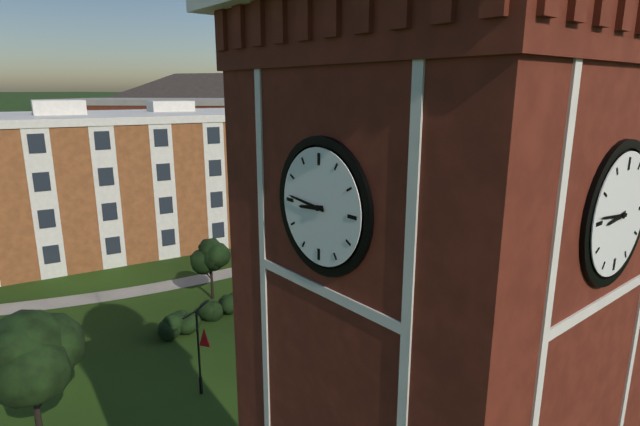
8h46
